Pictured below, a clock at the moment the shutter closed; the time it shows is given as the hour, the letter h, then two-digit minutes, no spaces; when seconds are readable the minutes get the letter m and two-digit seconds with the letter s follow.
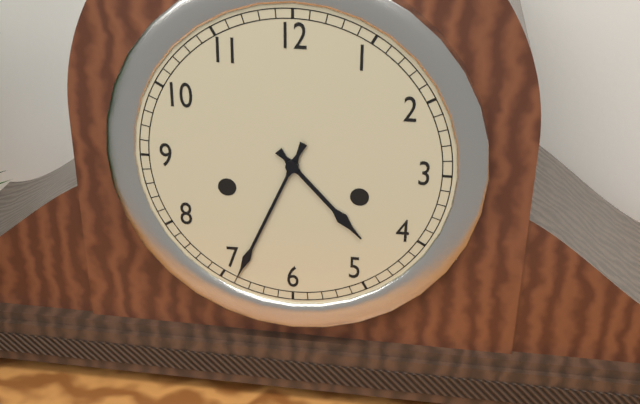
4h34
